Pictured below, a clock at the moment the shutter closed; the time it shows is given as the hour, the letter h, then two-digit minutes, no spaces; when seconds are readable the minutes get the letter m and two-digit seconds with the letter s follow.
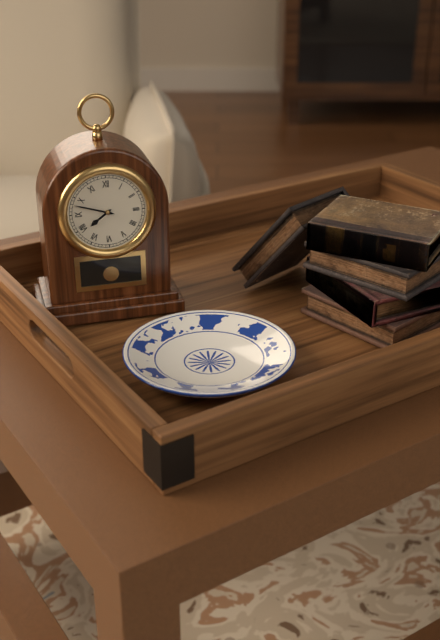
7h48
